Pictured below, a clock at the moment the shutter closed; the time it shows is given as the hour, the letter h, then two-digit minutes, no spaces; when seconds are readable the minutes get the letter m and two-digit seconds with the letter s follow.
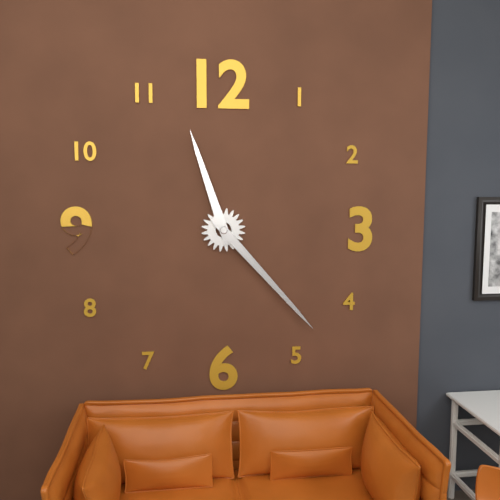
11h23
